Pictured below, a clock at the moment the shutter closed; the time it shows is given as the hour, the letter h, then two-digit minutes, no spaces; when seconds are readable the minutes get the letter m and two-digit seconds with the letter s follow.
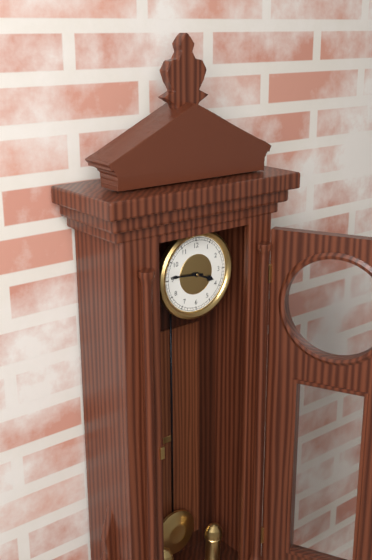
3h46
